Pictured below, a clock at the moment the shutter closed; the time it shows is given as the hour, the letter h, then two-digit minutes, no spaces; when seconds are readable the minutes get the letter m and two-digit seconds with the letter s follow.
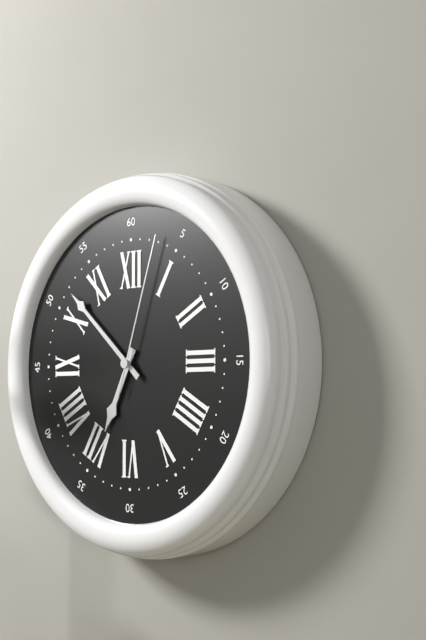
6h52m03s
